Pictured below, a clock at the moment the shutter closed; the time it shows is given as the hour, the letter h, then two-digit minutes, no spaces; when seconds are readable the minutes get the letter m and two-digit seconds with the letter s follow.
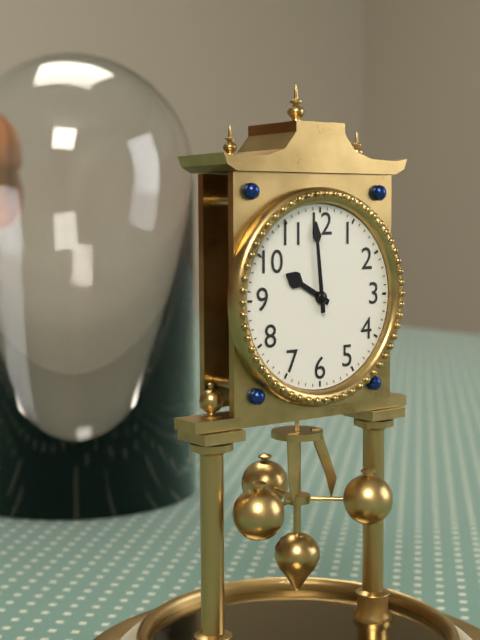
9h59
